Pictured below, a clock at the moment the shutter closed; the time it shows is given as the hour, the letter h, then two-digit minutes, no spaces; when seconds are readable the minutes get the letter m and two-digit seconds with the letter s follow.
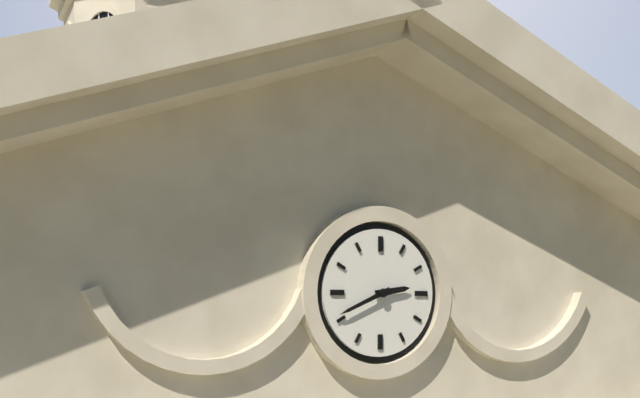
2h41
